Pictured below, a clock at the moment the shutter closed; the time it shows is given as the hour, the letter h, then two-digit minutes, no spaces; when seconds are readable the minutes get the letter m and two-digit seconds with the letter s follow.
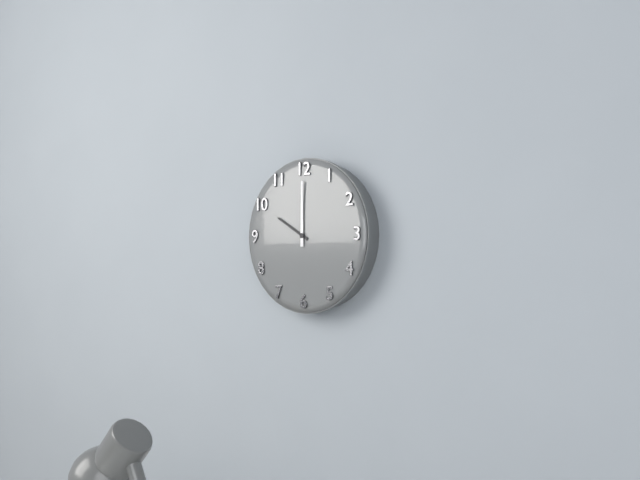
10h00
